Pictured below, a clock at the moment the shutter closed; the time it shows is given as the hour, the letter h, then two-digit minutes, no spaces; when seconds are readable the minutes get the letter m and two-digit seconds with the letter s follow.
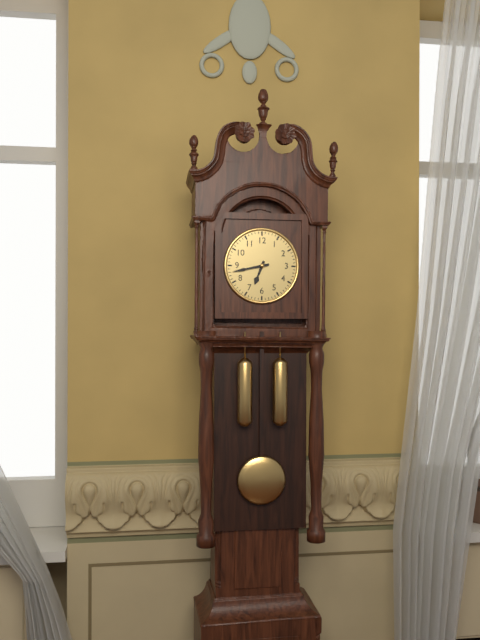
6h43
